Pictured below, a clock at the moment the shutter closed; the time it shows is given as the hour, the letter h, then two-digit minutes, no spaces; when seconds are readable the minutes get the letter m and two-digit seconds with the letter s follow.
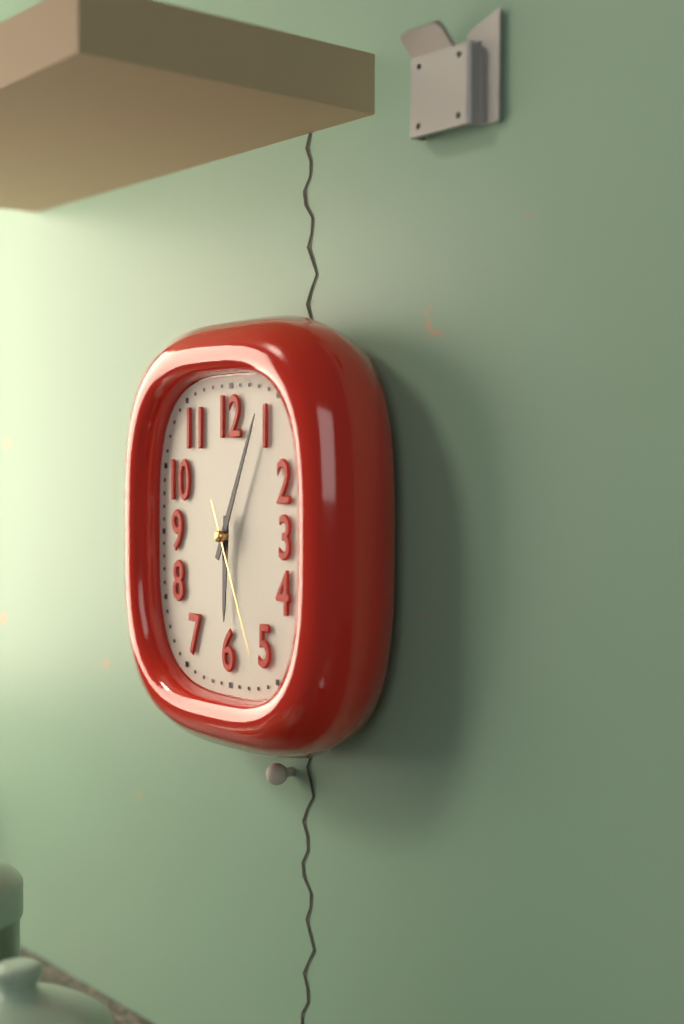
6h04m26s
